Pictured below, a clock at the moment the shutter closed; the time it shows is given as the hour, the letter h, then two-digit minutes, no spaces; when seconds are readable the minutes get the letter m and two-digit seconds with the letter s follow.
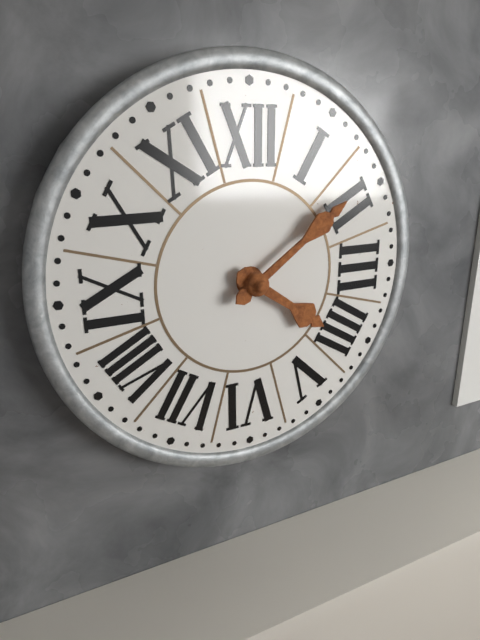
4h09
